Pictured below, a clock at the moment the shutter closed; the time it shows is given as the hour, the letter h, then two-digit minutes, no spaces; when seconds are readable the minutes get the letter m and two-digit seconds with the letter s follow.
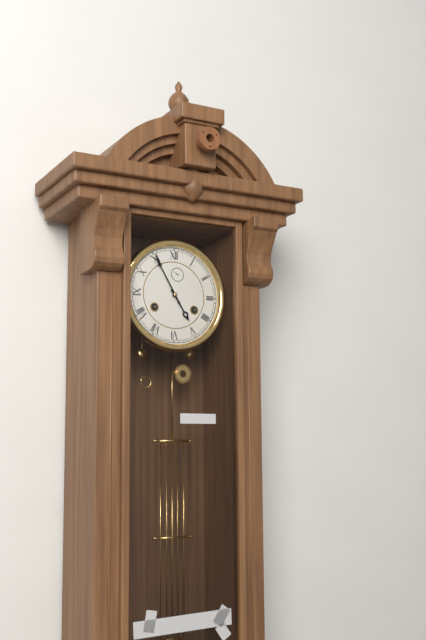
4h55
